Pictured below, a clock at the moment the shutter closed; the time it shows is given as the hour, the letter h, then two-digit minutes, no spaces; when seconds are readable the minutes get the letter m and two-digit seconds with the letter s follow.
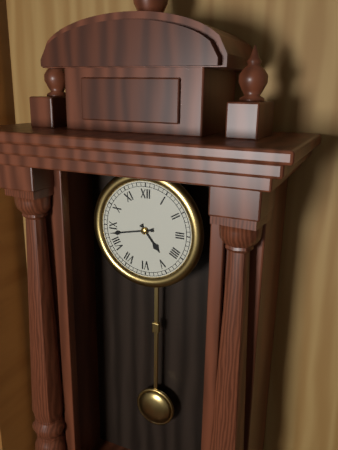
4h43
